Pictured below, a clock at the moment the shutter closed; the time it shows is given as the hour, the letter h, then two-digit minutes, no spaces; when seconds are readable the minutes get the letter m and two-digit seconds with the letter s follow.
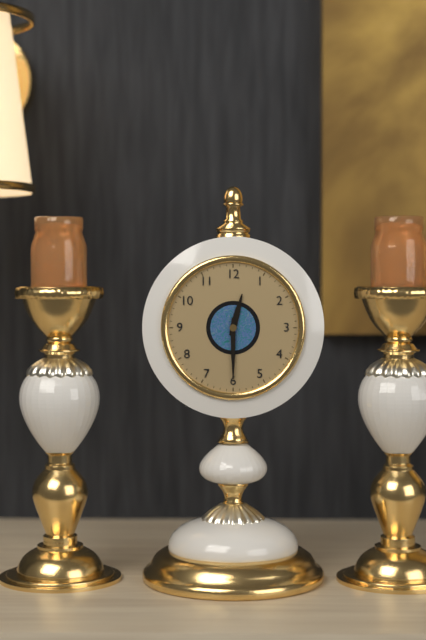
12h30
